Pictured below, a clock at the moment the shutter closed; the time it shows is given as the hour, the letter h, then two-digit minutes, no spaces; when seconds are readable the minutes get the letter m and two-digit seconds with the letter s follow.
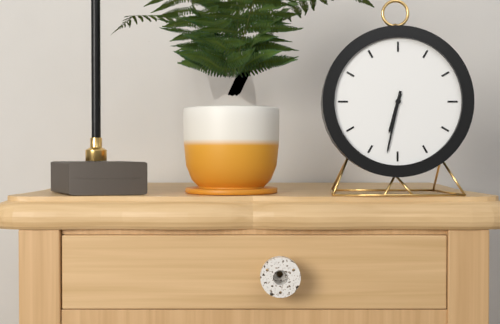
6h32
